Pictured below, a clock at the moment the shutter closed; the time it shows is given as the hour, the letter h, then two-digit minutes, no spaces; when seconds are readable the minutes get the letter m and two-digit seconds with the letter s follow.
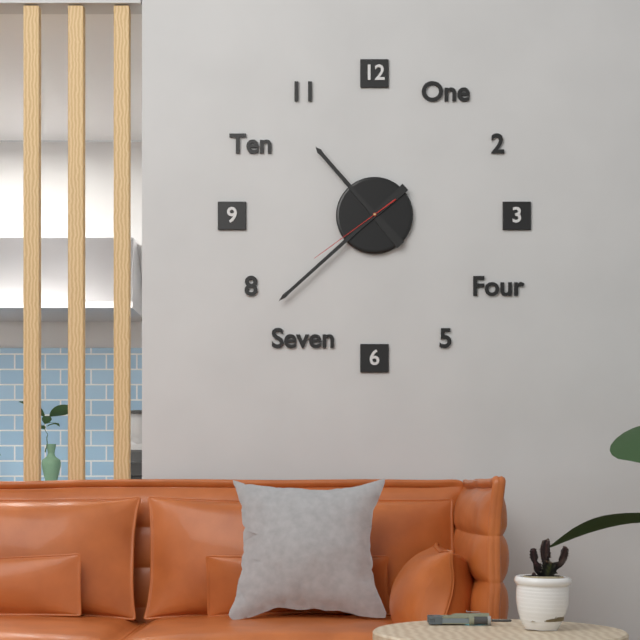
10h38m39s
